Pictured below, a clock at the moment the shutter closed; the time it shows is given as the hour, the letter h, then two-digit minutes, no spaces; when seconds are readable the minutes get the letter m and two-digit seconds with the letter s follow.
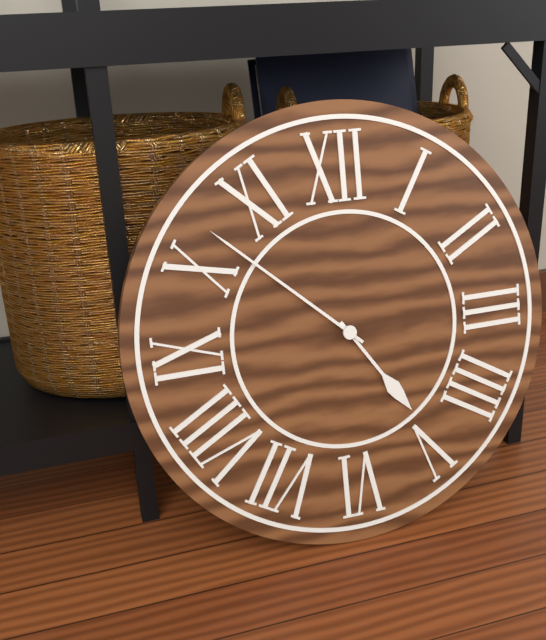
4h52
